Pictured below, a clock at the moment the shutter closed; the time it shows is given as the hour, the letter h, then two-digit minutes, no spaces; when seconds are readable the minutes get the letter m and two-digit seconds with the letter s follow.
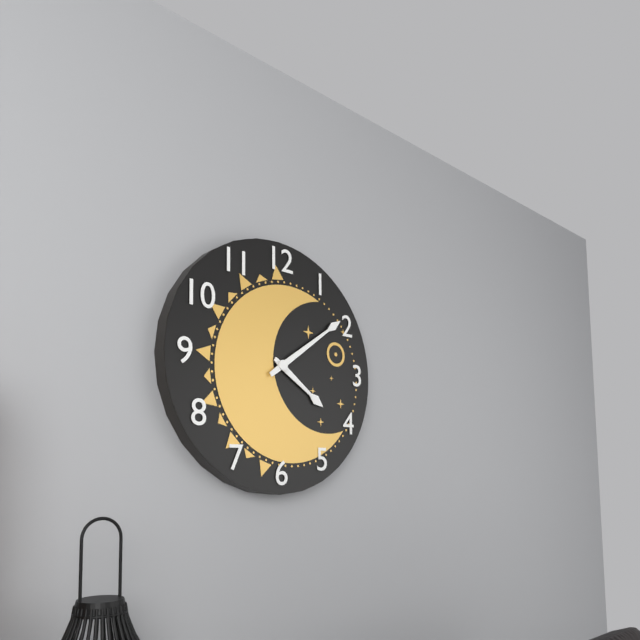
4h09
